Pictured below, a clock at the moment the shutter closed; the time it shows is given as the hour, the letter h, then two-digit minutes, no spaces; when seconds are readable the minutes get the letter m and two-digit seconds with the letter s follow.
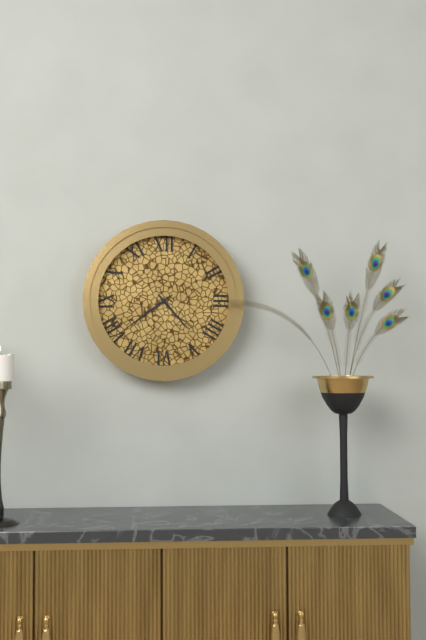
4h39
